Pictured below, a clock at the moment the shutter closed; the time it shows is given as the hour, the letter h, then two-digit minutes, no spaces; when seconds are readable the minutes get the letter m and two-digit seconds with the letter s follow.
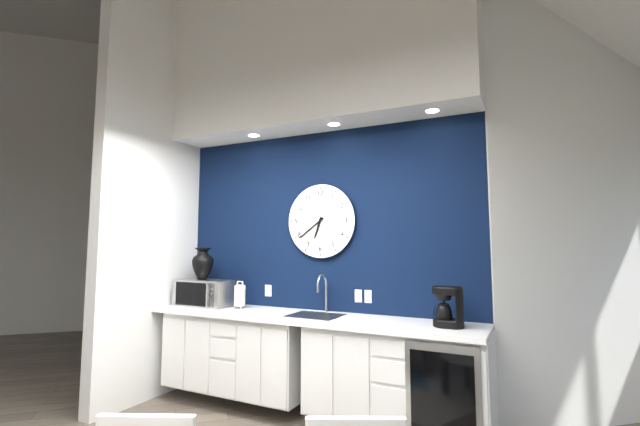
6h39
